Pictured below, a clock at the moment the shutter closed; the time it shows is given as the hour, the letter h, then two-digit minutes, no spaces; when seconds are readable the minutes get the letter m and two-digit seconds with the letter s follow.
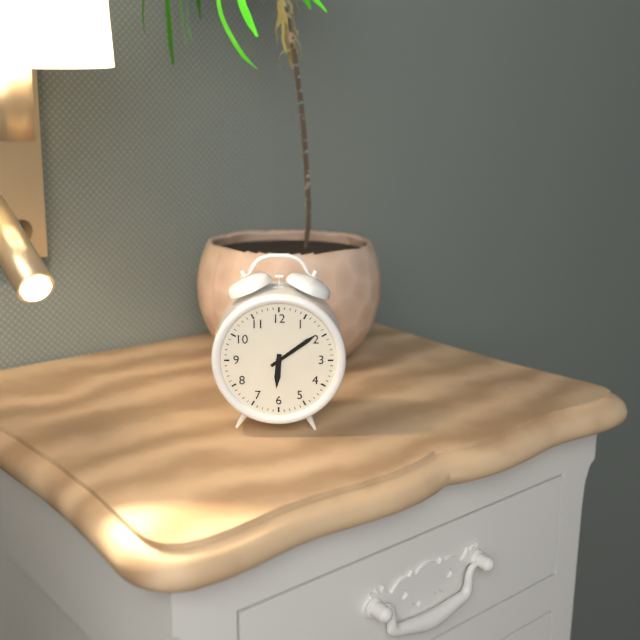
6h09
